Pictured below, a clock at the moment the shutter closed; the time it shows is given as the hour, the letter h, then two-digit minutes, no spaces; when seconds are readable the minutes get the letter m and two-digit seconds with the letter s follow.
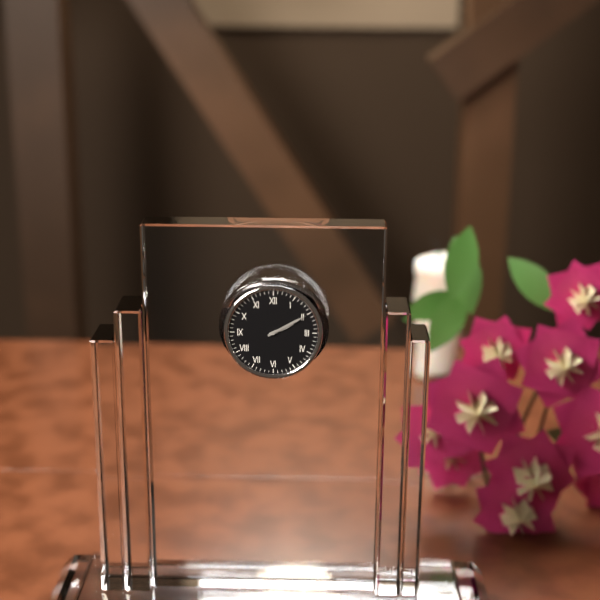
2h10
